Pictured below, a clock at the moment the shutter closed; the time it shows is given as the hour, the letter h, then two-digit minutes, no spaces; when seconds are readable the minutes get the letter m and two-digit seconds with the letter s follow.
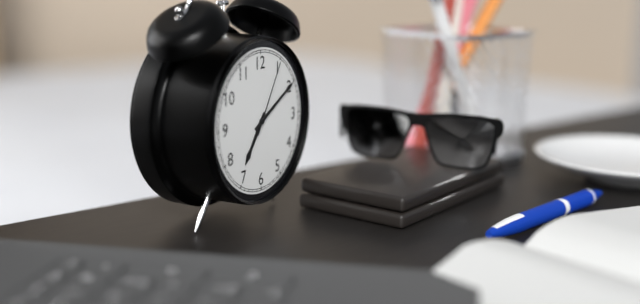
7h10m05s
